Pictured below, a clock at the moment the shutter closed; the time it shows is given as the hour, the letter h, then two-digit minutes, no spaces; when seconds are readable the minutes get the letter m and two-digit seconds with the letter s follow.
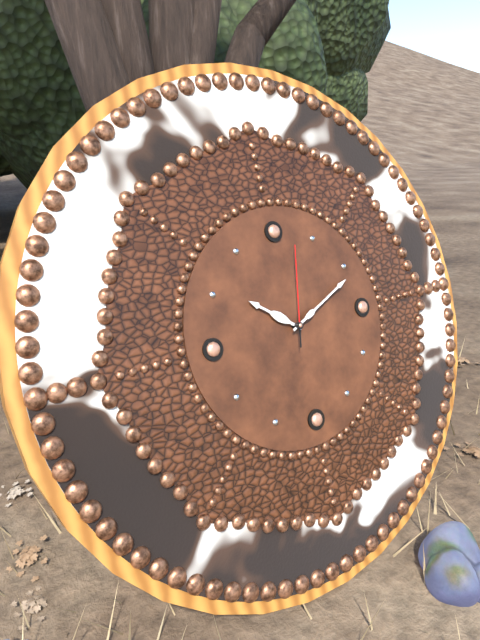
10h11m02s
